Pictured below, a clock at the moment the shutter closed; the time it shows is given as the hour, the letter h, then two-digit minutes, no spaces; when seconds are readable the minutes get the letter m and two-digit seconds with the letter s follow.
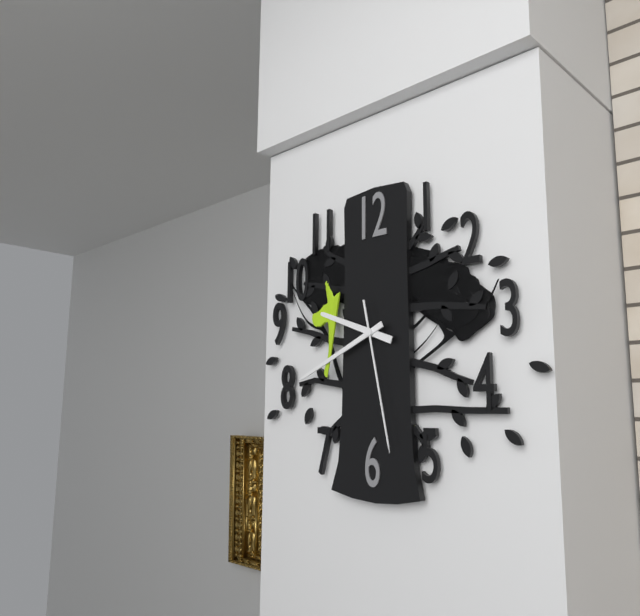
9h41m28s
